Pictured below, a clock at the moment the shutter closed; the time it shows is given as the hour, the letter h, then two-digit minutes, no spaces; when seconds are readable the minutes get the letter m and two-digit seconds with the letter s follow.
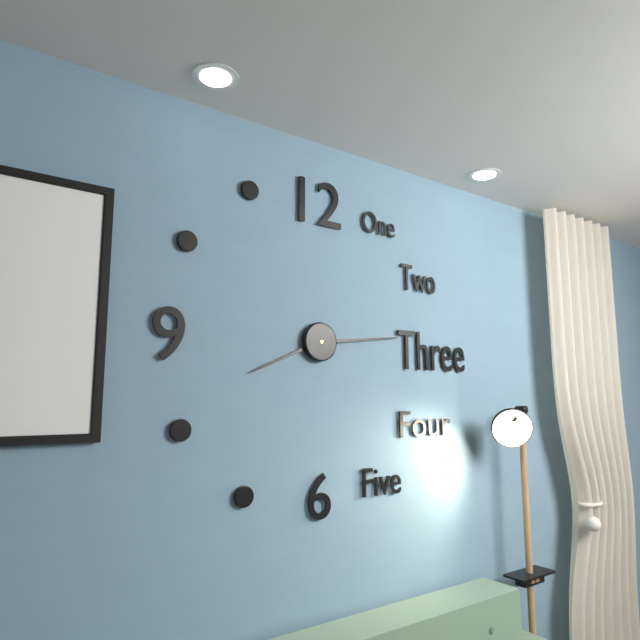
8h14
